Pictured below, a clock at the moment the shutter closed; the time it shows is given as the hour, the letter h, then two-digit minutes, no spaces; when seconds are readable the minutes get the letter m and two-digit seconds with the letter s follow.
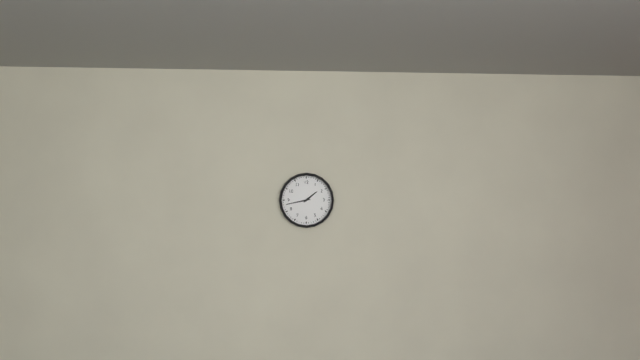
1h43
